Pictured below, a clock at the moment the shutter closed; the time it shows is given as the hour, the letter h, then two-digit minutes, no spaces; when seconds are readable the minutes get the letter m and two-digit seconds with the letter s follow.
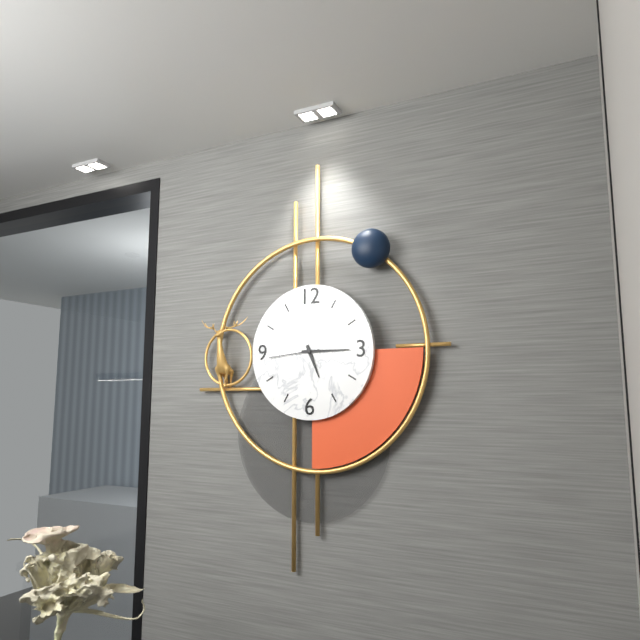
5h15m44s
